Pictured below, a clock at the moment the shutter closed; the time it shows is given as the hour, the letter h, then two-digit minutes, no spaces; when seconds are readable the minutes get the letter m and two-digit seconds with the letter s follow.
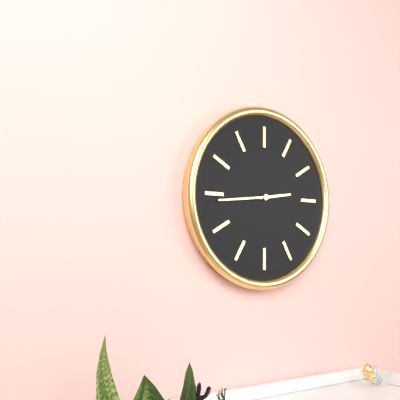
2h44
